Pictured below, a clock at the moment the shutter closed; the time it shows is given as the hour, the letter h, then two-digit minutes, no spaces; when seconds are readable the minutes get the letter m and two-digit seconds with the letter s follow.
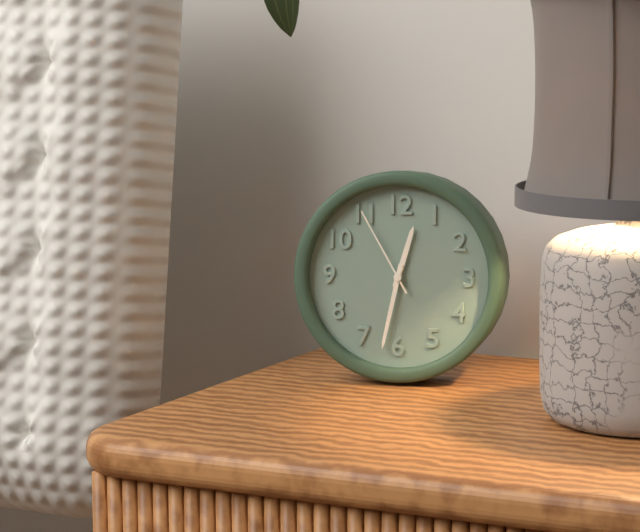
12h32m55s
